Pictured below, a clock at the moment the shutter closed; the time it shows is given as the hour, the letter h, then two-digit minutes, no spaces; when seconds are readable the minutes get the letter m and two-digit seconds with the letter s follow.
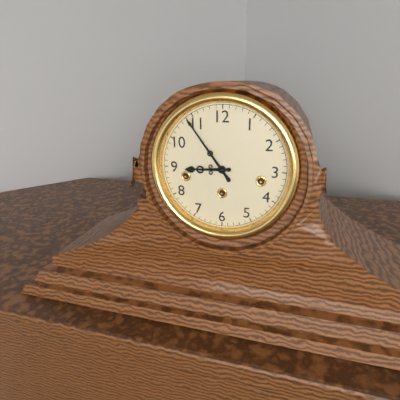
8h54
